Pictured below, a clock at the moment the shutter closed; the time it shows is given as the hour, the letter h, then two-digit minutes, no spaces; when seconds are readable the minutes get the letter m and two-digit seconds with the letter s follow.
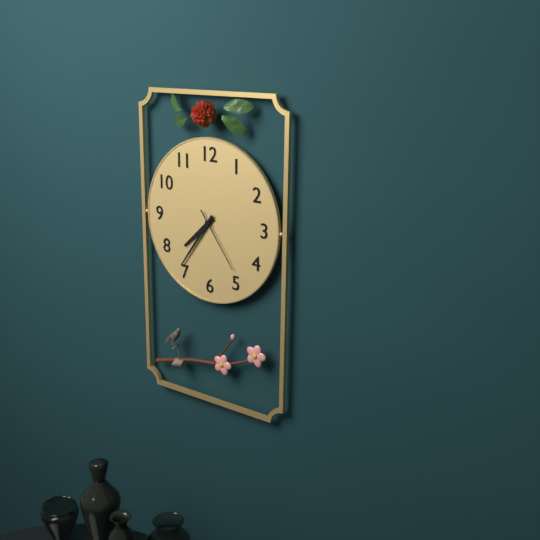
7h36m24s
